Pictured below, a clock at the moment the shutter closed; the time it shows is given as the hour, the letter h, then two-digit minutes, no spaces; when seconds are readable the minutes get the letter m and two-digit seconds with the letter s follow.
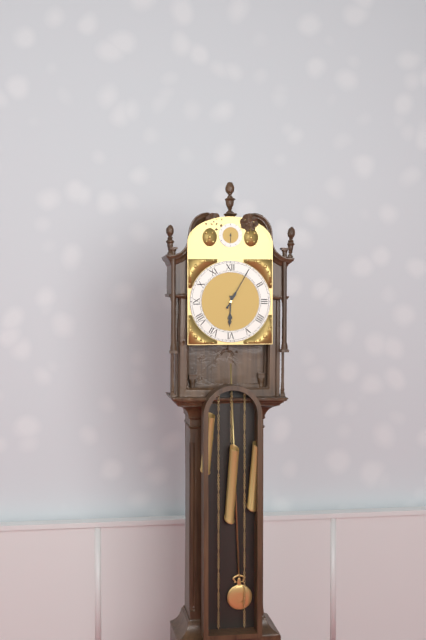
6h05
